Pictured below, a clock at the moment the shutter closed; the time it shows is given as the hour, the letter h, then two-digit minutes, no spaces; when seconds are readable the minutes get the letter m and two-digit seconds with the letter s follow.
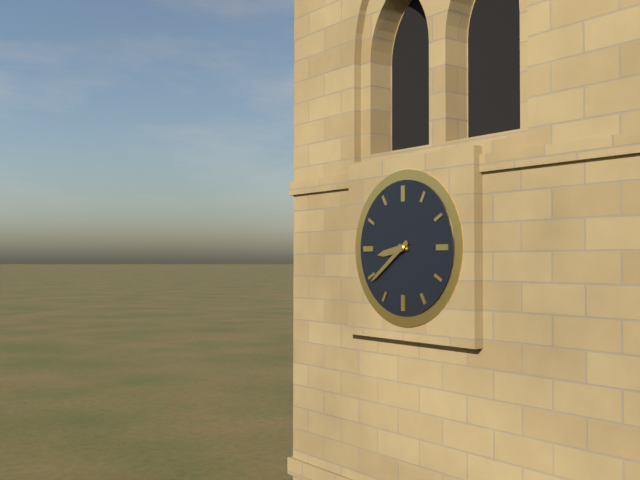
8h39
